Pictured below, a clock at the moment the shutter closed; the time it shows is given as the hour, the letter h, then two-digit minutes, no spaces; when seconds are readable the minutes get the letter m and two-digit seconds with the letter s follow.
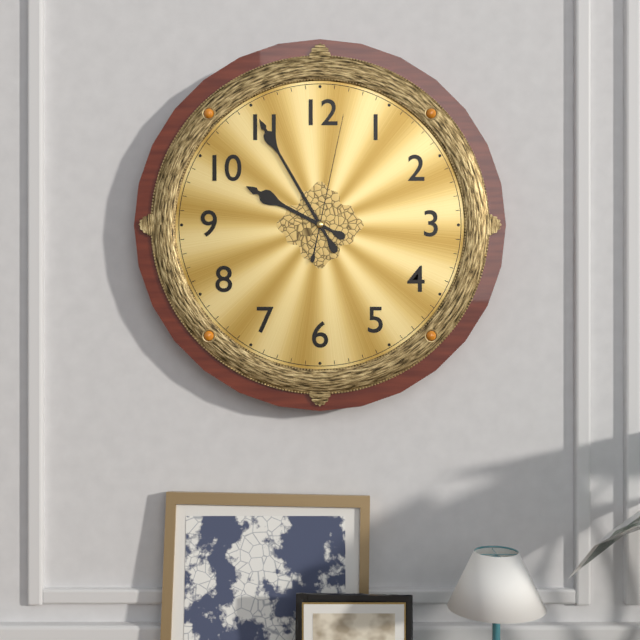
9h55m02s
